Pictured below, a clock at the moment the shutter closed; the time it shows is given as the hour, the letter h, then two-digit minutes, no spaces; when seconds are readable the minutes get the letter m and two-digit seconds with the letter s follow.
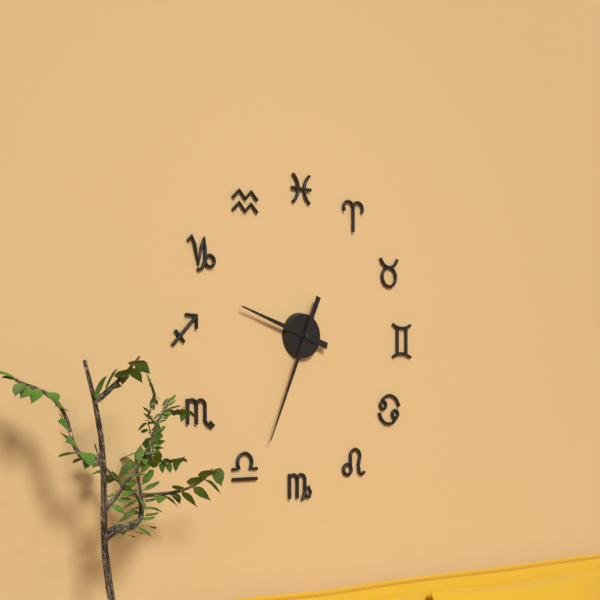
9h34
